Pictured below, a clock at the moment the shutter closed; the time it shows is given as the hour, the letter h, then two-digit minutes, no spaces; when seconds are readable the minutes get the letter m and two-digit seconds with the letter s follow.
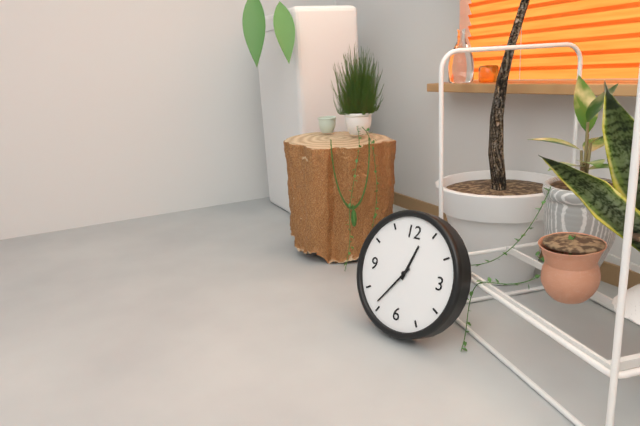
12h36
